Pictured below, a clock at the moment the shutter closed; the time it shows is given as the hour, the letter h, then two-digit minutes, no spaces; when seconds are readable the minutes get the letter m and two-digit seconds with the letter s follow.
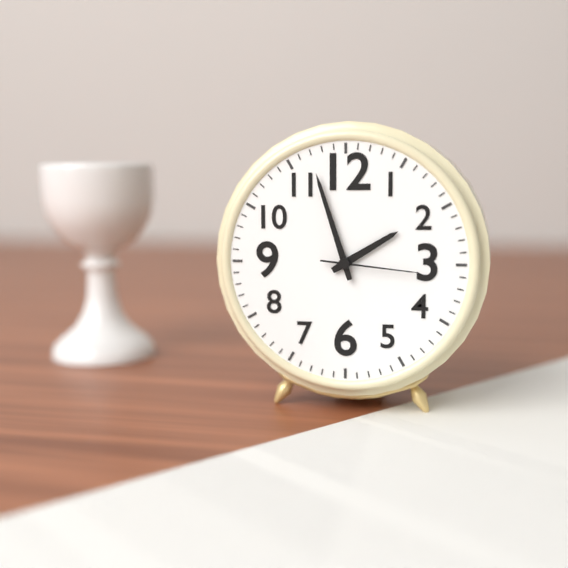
1h57m16s
